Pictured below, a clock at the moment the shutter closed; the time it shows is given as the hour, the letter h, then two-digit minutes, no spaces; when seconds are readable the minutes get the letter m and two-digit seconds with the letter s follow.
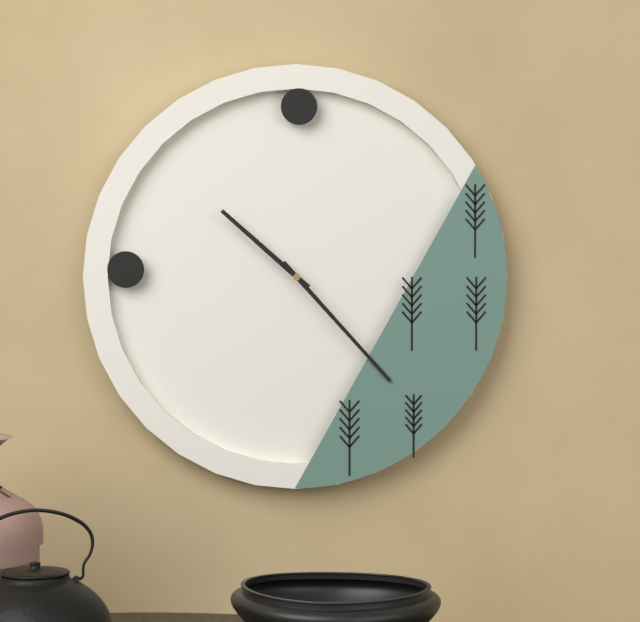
10h23
